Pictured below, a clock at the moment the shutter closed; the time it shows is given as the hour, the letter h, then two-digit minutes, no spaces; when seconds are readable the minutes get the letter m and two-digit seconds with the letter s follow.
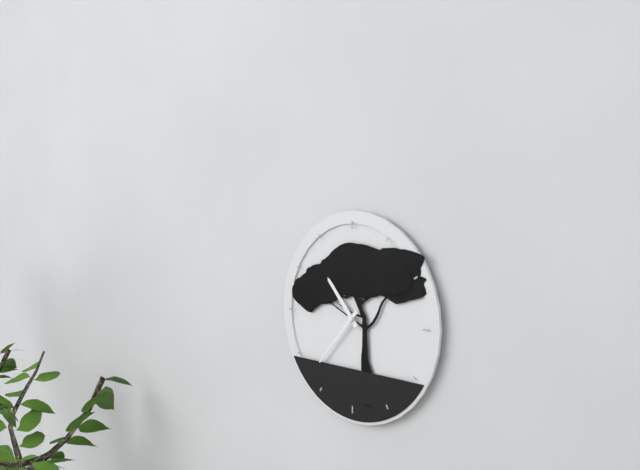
10h37
